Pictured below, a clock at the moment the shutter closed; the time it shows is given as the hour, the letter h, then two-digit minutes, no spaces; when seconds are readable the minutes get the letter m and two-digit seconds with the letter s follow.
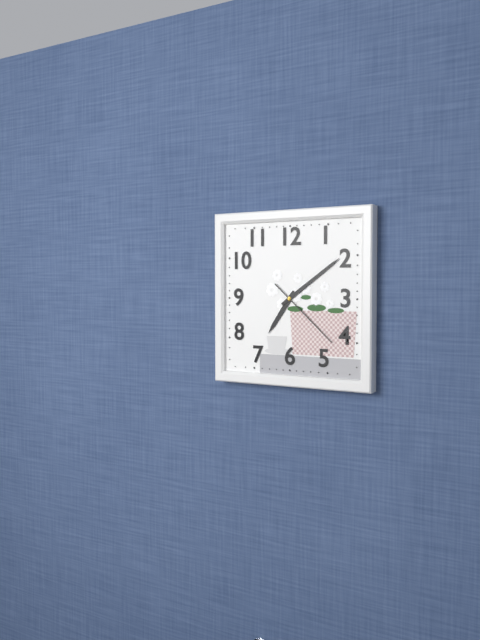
7h09m22s
